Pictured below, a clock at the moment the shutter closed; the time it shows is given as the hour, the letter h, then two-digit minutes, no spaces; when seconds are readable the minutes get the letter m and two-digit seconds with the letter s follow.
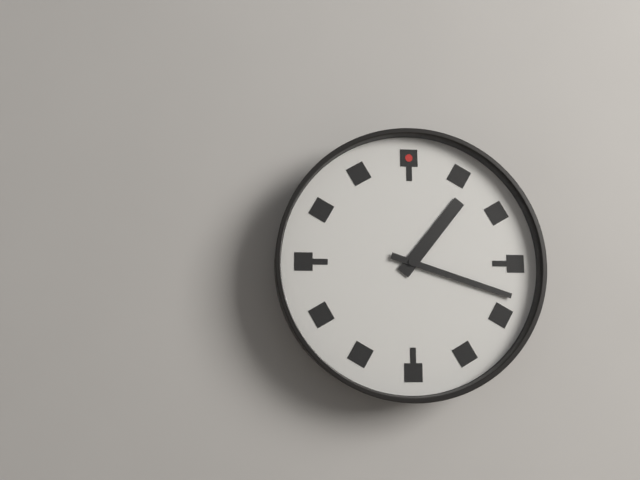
1h18
